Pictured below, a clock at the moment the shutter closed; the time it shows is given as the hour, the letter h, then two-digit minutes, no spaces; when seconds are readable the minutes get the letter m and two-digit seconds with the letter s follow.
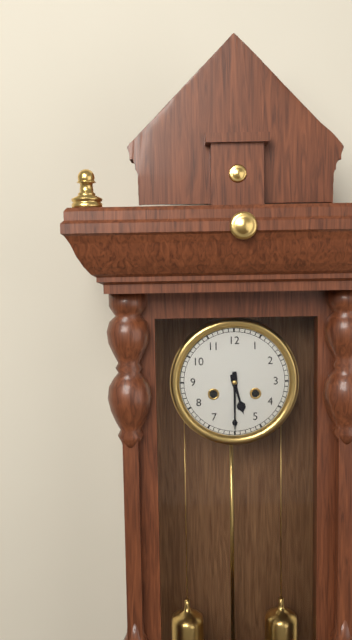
5h30
